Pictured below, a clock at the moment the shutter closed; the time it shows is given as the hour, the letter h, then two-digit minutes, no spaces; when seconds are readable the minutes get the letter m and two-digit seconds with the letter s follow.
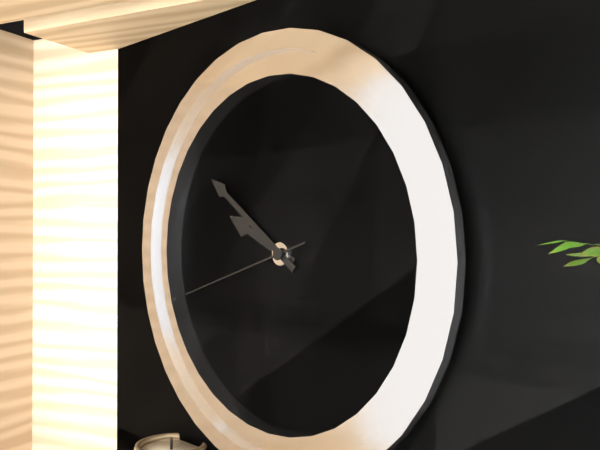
9h51m42s
